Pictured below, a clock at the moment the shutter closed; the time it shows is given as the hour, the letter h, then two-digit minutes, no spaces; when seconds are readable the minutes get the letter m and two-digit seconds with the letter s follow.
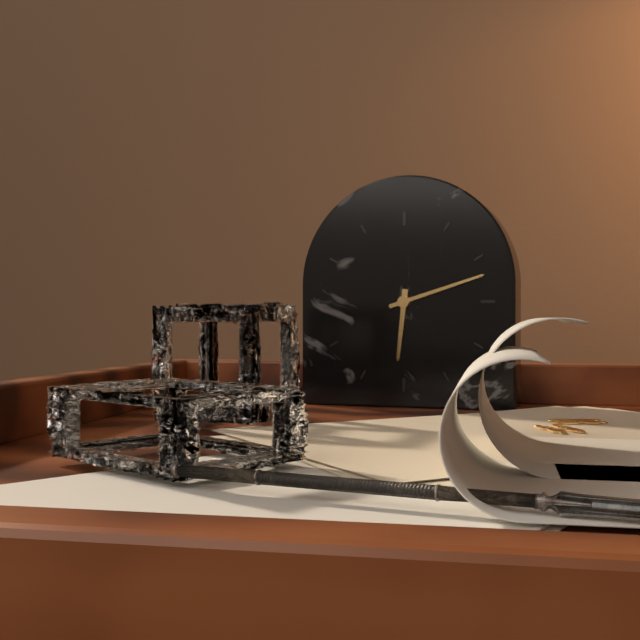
6h12
